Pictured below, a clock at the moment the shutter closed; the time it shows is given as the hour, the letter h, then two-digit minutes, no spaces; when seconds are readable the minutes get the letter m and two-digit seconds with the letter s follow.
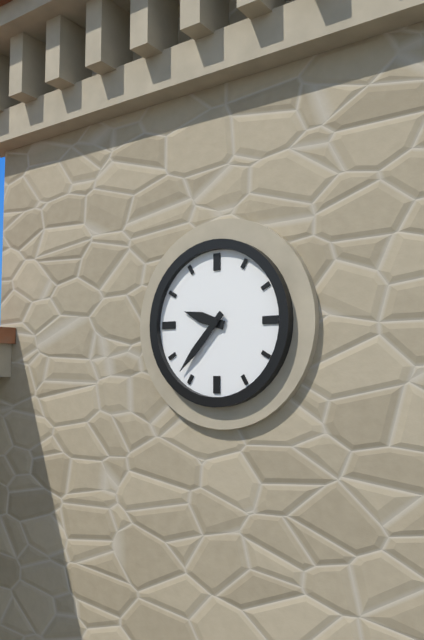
9h37
